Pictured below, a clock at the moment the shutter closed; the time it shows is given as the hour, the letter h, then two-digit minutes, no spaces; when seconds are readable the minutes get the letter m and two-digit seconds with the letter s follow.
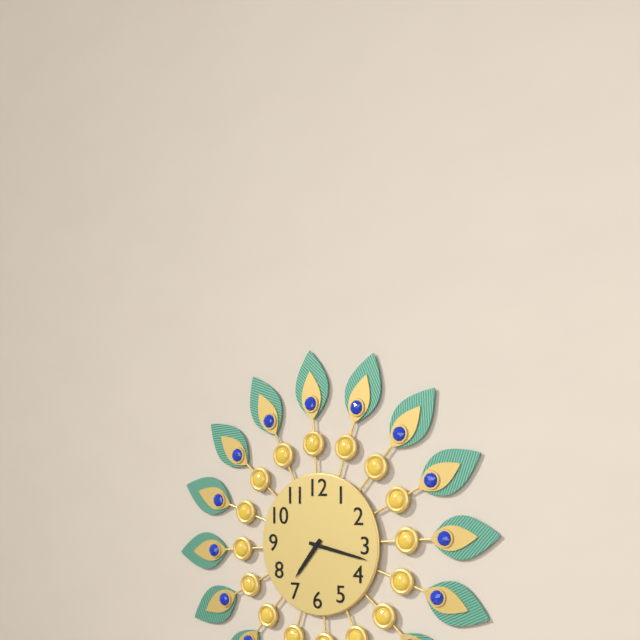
7h17
